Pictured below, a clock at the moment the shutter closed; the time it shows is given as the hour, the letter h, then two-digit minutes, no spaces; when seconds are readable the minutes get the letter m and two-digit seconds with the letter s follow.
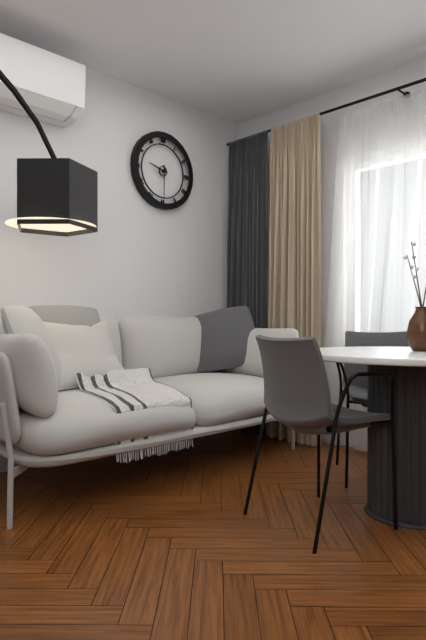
9h30
